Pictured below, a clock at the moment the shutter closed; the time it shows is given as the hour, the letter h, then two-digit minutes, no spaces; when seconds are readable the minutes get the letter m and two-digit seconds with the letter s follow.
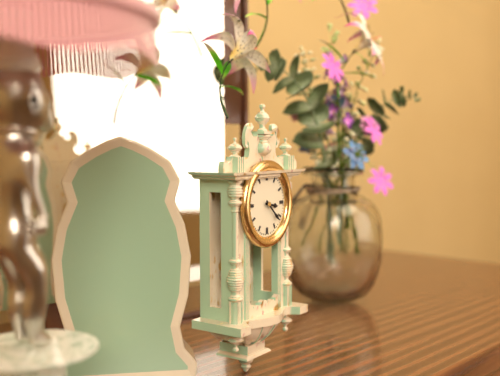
3h22
